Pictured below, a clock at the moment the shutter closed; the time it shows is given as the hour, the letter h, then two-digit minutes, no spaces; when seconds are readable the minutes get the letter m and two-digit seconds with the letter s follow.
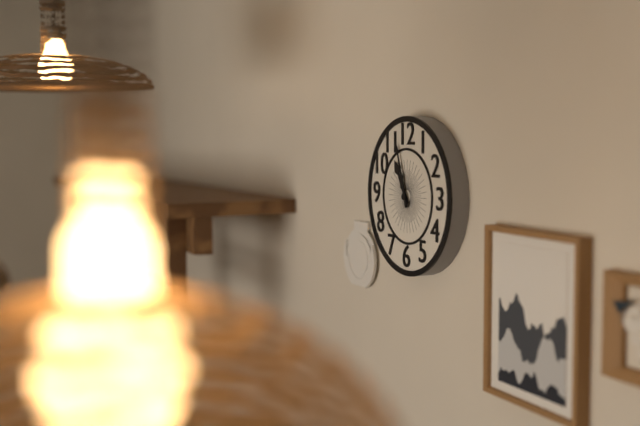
10h57
